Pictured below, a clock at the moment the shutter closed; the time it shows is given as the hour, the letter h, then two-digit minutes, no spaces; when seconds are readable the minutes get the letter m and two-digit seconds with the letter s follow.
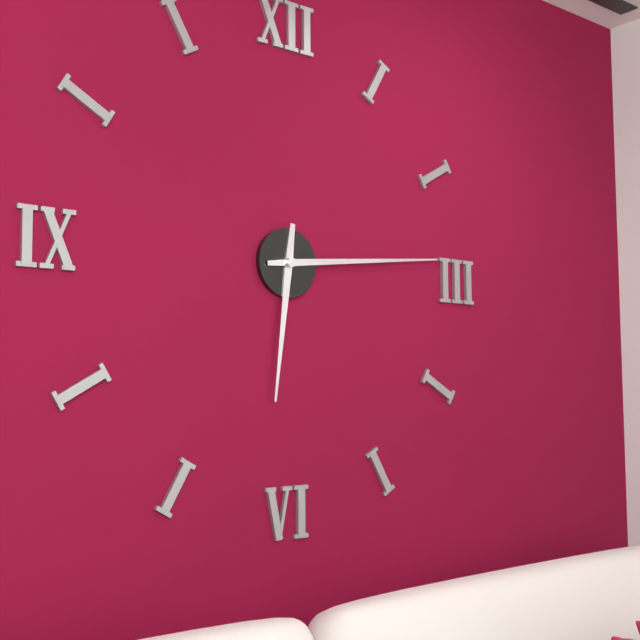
6h14
